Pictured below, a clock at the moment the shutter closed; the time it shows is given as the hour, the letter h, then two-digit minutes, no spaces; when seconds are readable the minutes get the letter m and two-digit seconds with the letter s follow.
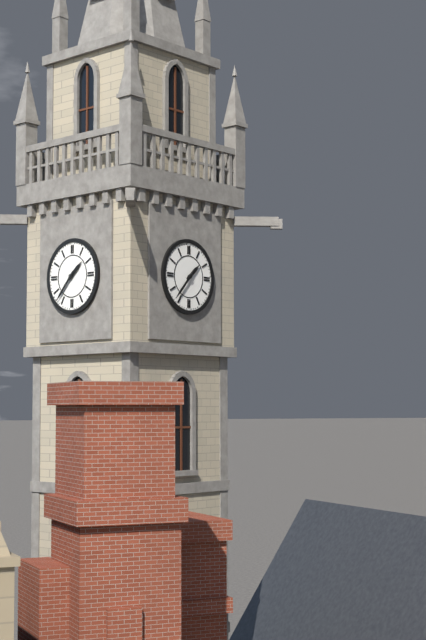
1h37
